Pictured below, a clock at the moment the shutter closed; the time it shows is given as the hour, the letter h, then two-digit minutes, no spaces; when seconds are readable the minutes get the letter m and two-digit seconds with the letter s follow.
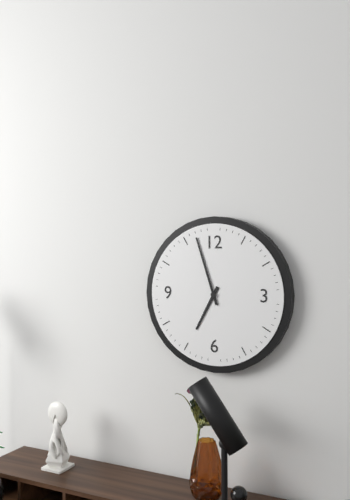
6h57
